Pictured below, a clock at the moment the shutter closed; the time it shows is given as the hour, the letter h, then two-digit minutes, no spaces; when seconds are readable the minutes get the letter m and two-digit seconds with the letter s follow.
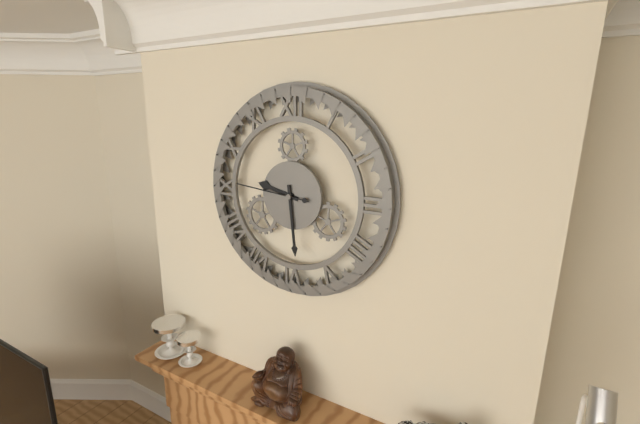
9h29m46s
